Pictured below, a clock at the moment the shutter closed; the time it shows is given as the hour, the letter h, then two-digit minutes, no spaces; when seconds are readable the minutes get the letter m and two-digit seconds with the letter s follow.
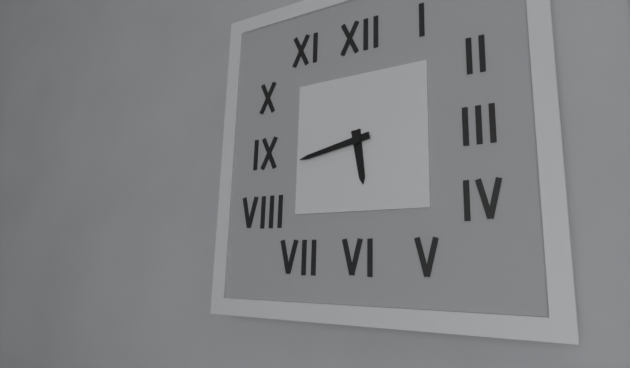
5h43
